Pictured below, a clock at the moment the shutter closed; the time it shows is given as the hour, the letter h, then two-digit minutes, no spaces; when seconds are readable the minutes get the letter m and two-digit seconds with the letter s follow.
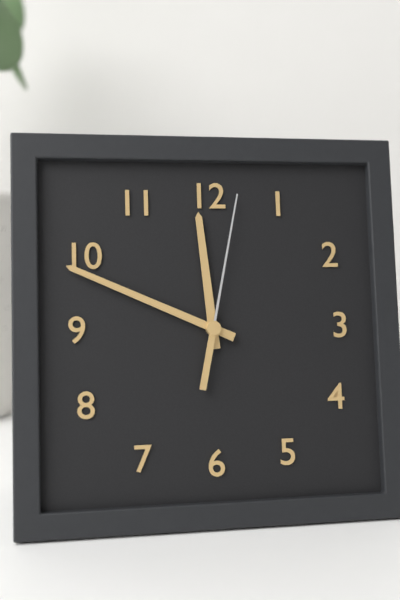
11h49m02s
